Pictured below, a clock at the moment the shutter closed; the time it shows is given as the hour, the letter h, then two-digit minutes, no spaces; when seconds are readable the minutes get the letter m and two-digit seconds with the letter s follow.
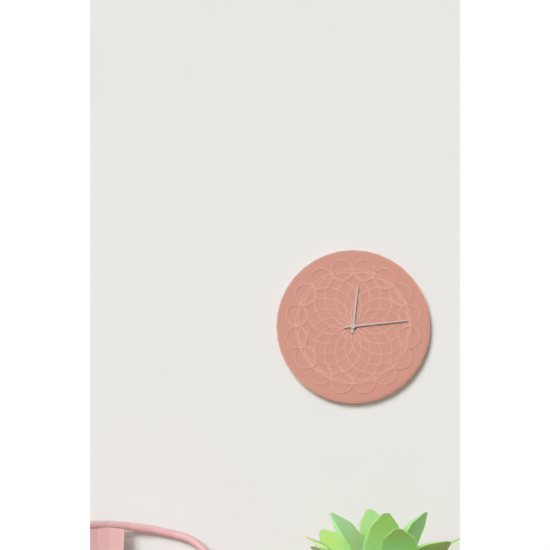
12h14
